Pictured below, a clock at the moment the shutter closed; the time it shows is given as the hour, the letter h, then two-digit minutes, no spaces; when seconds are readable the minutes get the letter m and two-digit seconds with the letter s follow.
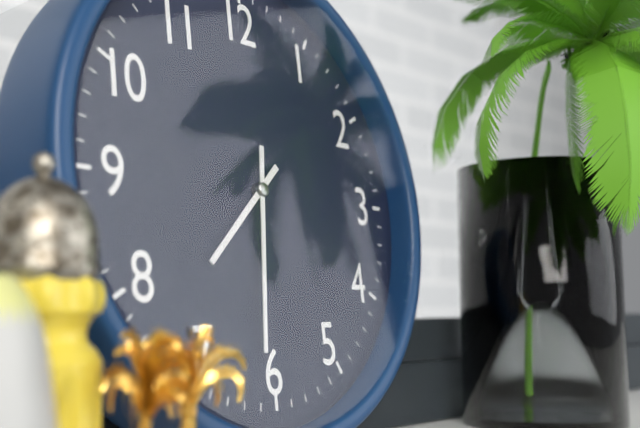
7h31
